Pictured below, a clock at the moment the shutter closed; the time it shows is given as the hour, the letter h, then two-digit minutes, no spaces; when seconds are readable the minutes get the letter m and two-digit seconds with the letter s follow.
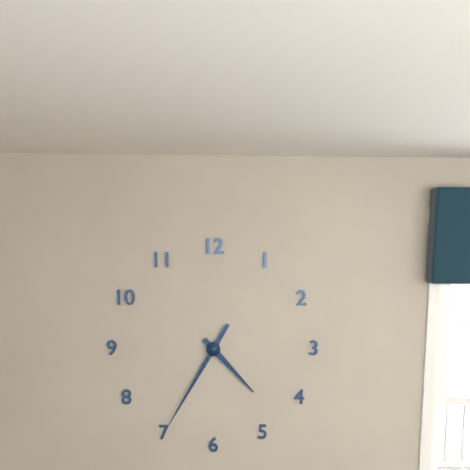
4h35
